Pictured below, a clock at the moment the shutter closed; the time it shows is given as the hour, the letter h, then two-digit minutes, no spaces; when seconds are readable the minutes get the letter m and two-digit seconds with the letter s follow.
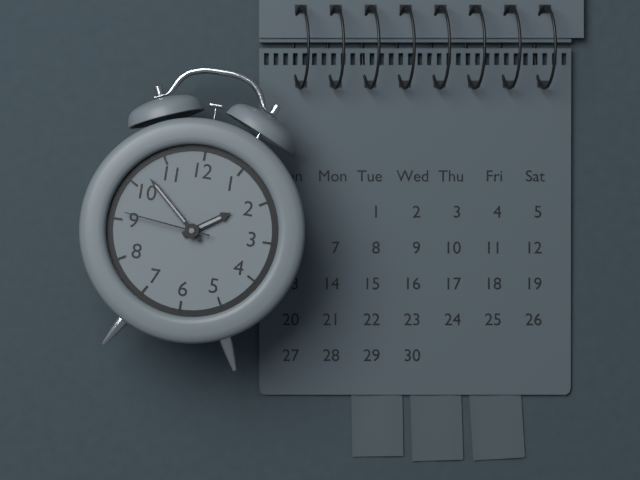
1h52m46s
